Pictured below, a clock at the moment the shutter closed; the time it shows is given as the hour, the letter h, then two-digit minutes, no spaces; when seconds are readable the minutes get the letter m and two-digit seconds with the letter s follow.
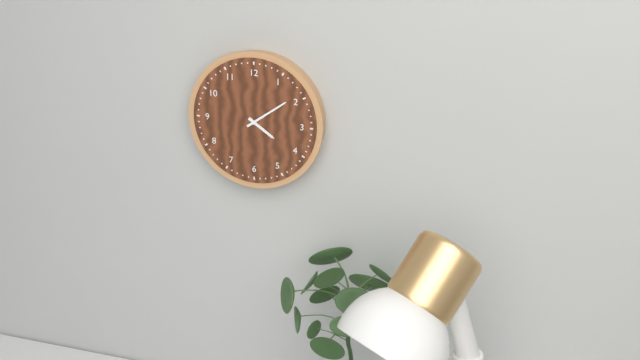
4h09
